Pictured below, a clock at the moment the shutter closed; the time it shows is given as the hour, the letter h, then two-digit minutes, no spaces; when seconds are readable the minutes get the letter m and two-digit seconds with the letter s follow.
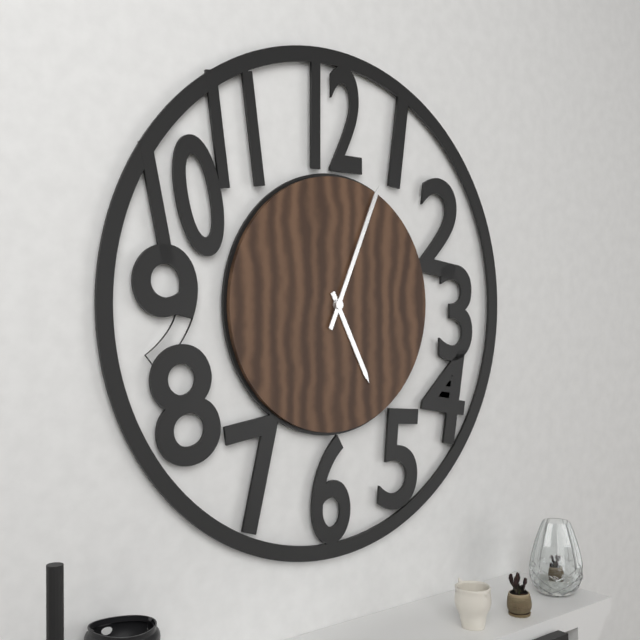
5h04
